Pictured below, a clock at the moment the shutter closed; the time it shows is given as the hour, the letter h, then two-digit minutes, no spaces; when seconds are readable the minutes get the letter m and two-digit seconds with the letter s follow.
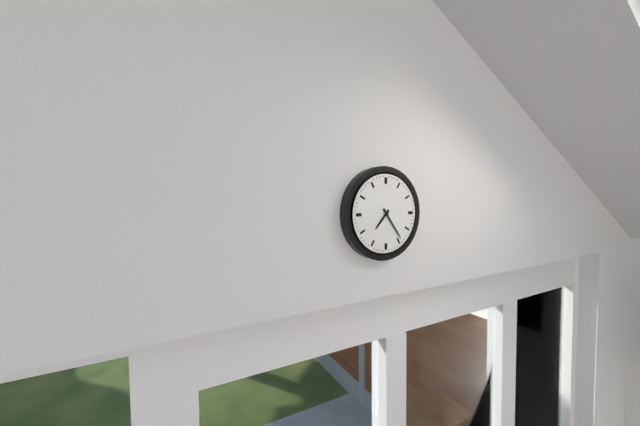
7h24
